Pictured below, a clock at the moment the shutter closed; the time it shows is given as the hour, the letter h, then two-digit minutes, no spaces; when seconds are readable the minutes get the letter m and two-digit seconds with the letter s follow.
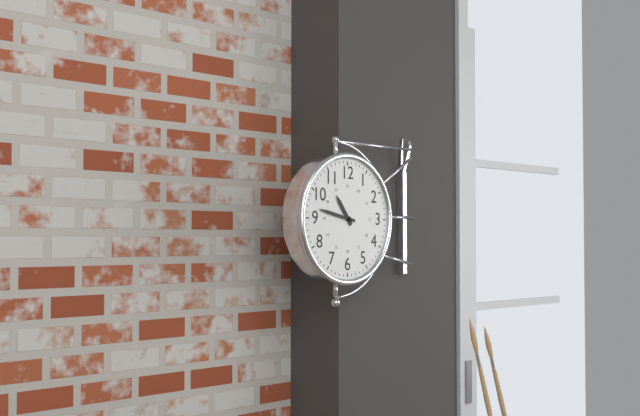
10h47
